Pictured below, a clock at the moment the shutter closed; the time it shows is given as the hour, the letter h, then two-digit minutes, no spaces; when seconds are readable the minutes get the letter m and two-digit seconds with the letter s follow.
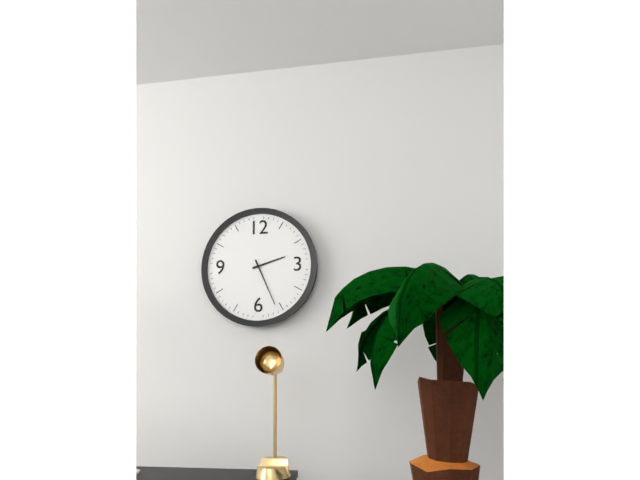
2h26
